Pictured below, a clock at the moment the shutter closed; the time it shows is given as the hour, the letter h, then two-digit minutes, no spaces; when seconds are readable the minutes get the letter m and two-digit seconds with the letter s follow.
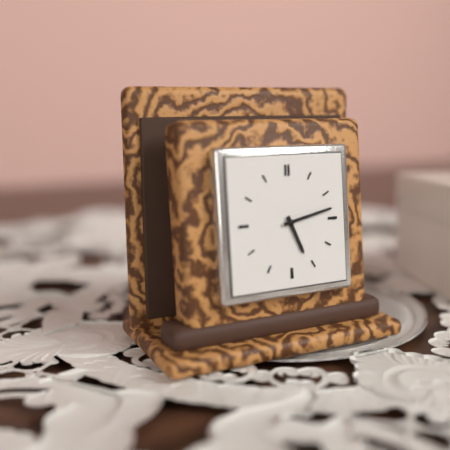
5h13
